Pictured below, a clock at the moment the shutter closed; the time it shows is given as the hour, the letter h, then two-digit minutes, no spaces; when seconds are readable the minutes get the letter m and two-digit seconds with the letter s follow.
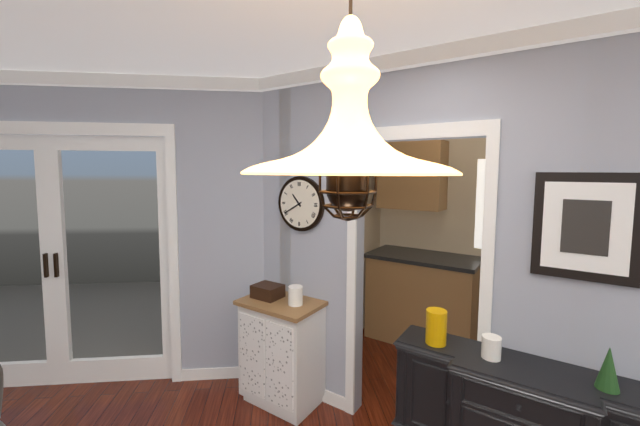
10h40
